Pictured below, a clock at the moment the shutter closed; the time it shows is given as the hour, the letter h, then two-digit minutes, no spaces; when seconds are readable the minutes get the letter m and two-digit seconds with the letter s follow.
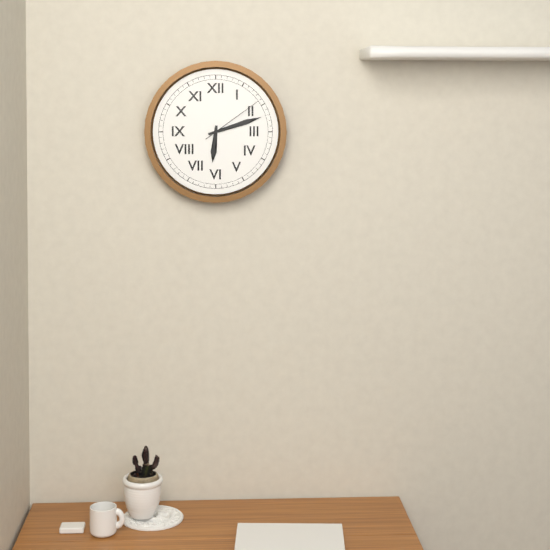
6h12m09s
